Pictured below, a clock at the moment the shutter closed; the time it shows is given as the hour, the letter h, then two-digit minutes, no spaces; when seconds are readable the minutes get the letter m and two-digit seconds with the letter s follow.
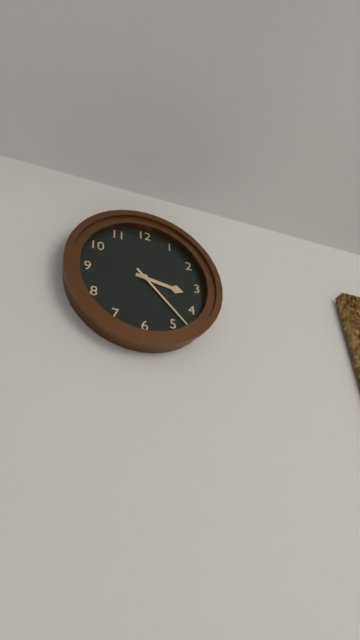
3h23
